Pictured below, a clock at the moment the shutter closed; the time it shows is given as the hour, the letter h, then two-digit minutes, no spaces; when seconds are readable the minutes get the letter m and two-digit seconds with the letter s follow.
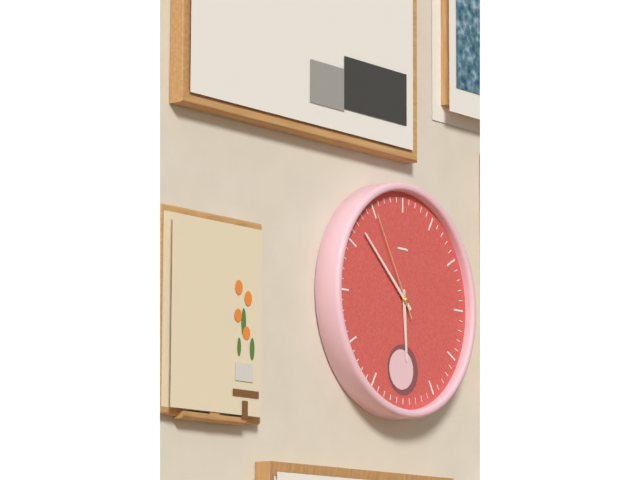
5h52m55s
